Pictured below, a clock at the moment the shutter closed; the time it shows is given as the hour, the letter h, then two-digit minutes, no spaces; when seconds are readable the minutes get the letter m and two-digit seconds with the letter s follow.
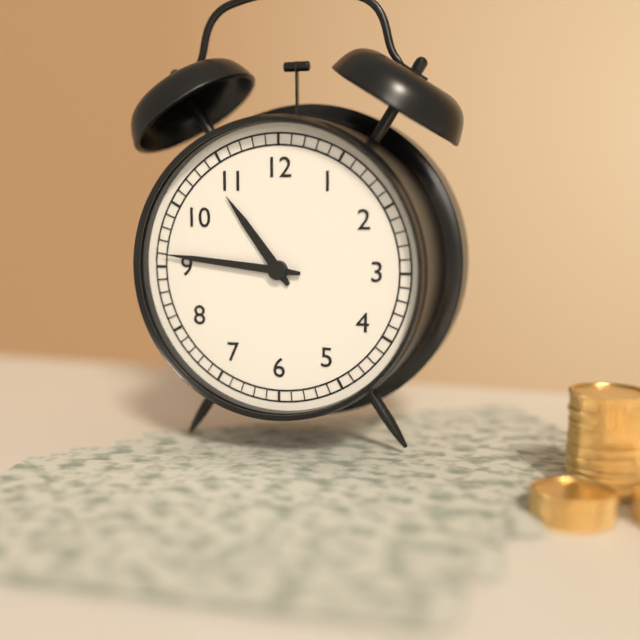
10h46
